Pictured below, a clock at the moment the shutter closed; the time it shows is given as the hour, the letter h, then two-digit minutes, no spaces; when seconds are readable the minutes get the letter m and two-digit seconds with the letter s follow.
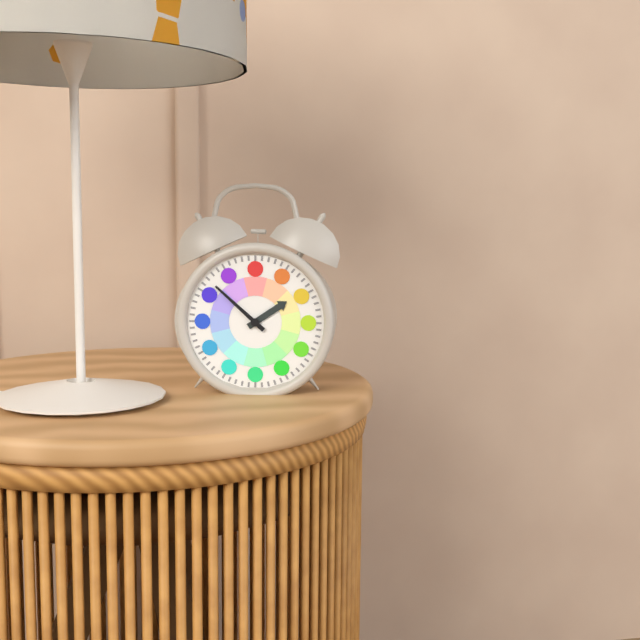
1h52
